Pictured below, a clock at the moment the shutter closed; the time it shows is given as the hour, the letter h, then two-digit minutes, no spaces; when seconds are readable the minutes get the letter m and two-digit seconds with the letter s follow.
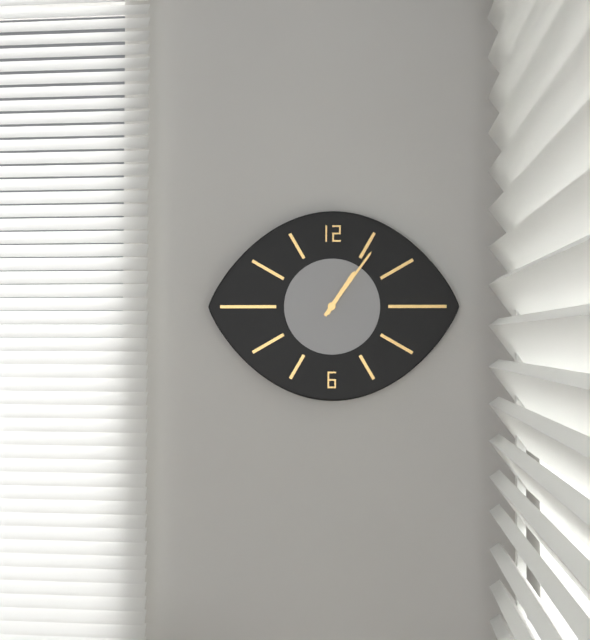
1h06
